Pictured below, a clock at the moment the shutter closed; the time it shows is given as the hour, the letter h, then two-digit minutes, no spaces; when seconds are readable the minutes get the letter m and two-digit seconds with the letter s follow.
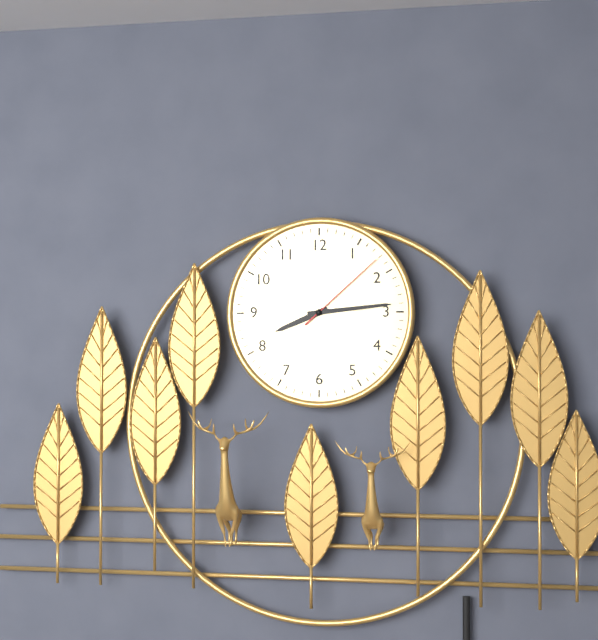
8h14m08s
